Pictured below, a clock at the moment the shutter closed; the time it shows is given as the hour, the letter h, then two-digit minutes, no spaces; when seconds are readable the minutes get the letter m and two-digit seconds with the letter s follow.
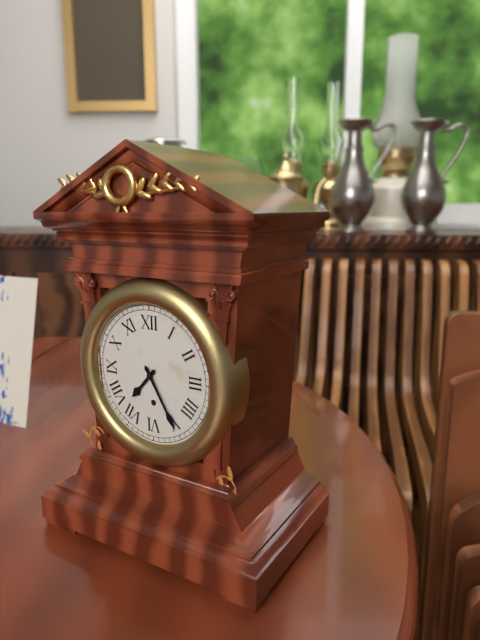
7h25
